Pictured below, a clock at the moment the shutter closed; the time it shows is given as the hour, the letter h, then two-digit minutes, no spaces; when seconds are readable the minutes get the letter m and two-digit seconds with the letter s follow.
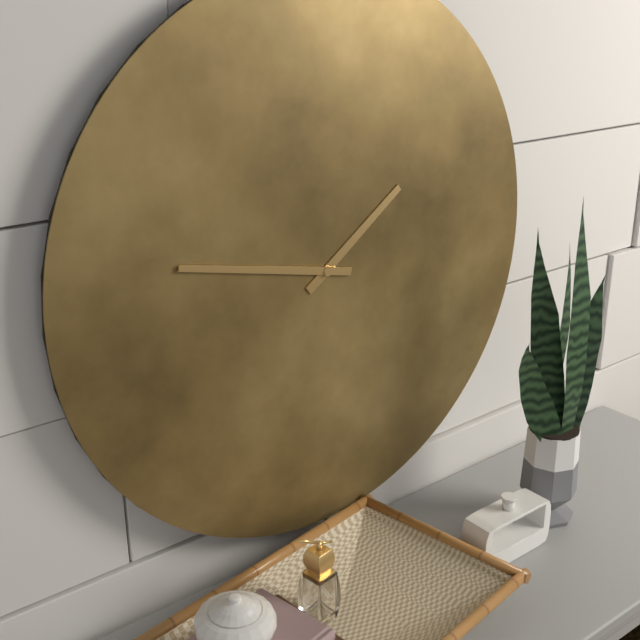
1h47
